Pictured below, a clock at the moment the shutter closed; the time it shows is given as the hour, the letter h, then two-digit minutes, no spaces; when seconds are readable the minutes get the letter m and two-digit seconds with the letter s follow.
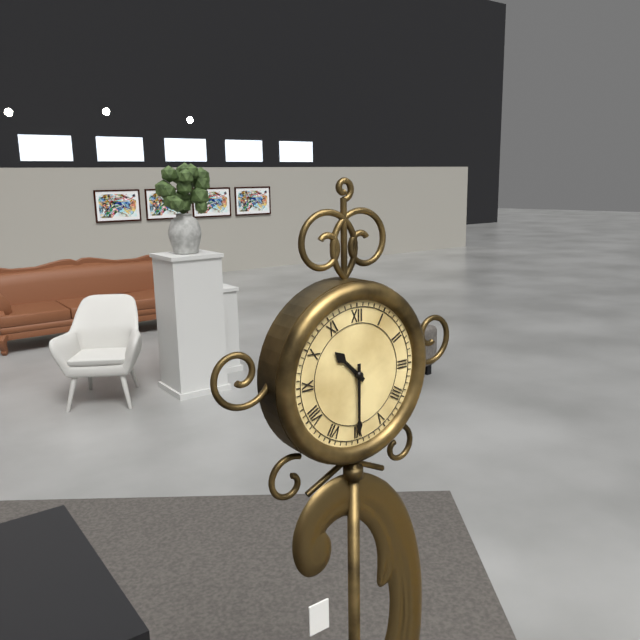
10h30
